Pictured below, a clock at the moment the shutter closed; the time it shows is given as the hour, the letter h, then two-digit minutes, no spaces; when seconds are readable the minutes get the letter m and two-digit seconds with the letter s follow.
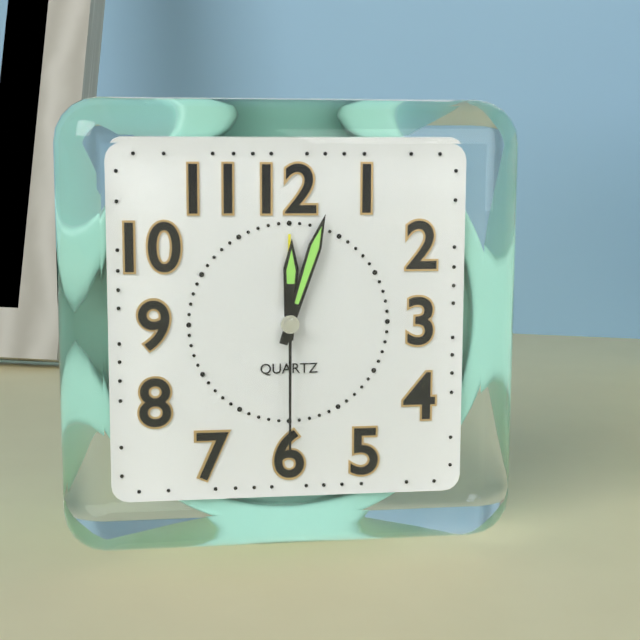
12h03m30s
